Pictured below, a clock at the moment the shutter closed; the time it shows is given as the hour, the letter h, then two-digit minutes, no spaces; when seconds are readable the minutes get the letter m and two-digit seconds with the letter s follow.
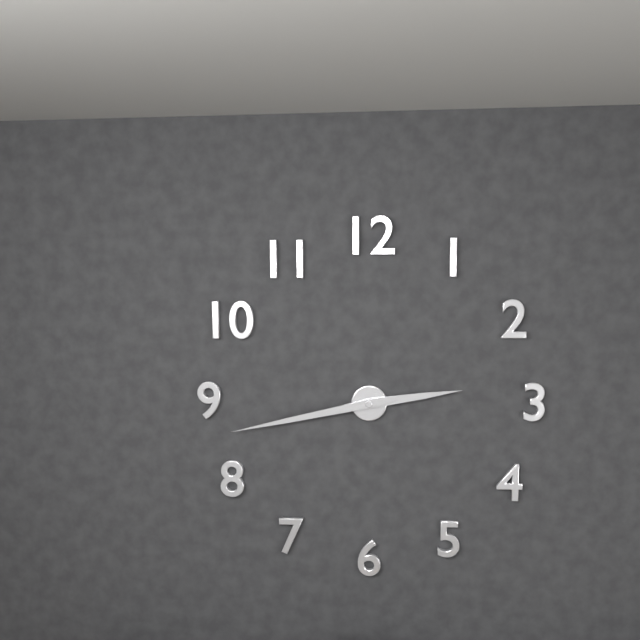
2h43
